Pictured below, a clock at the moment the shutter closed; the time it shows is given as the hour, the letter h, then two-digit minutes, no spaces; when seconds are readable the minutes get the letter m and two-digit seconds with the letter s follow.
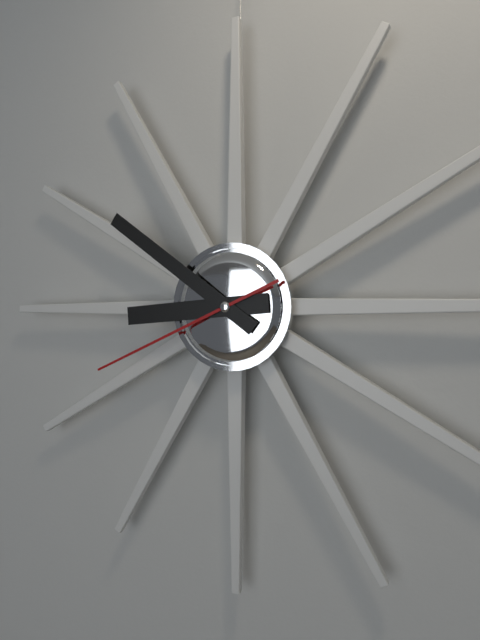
8h51m41s
